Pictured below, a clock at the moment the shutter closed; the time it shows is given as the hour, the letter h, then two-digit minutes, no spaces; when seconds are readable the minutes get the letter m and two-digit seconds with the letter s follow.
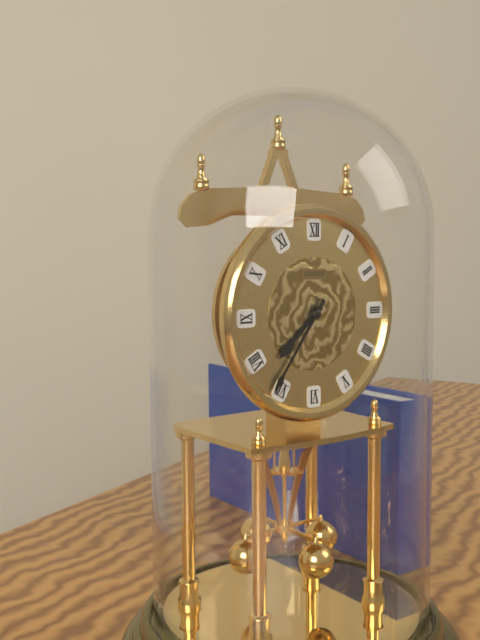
7h36
